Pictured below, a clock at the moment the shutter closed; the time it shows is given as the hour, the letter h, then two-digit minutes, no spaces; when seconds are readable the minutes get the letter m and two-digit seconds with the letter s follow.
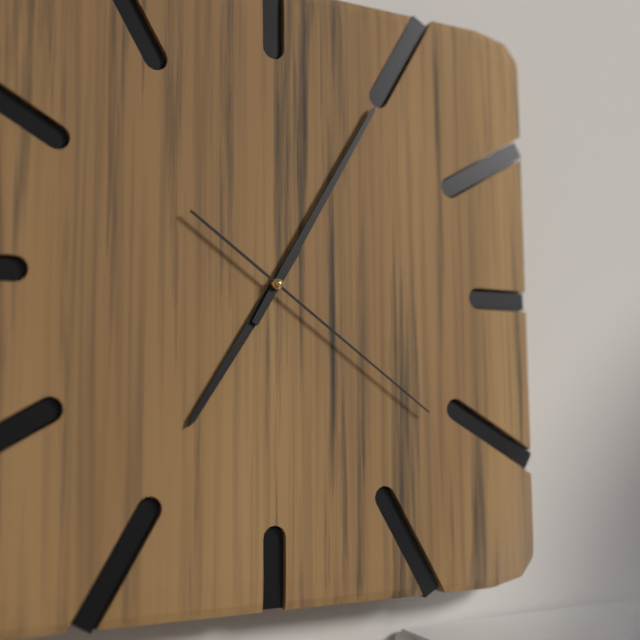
7h05m21s
